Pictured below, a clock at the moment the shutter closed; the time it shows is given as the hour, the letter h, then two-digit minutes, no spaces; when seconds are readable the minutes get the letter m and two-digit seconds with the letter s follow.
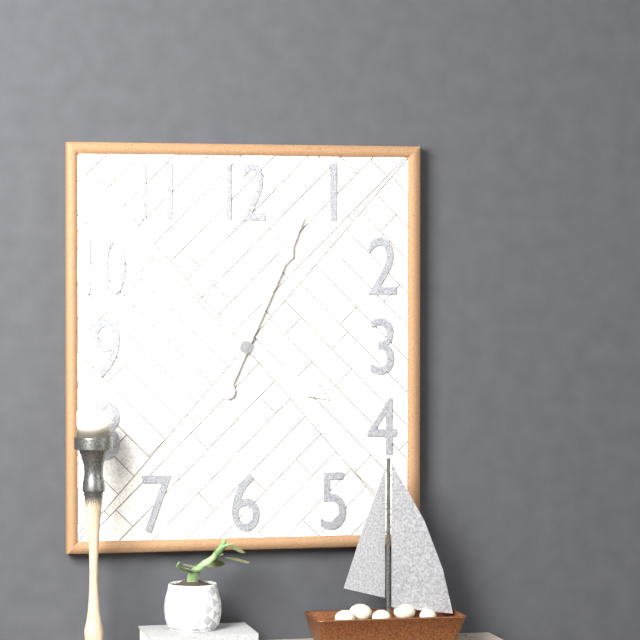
4h04
